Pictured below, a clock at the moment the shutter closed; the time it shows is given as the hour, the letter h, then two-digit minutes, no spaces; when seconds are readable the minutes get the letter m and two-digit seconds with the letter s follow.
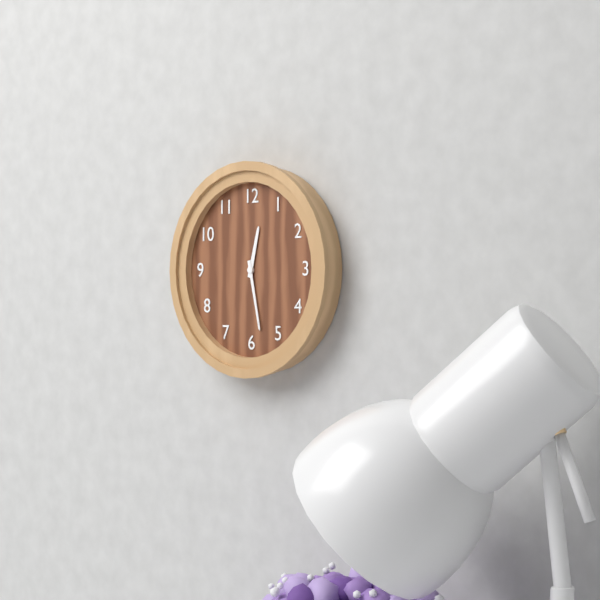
12h28
